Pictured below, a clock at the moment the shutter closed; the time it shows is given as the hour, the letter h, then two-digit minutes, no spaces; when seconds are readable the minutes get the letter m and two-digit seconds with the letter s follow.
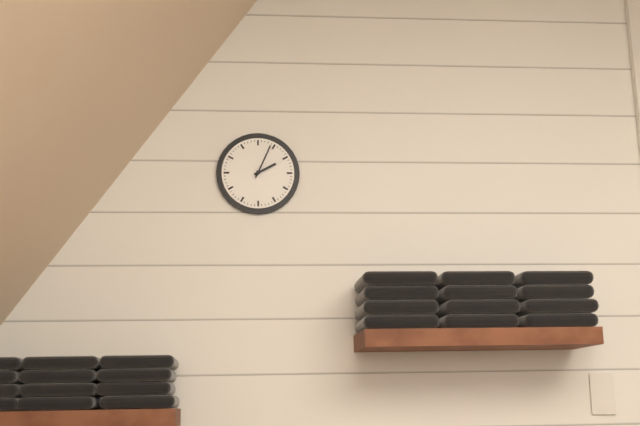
2h04
